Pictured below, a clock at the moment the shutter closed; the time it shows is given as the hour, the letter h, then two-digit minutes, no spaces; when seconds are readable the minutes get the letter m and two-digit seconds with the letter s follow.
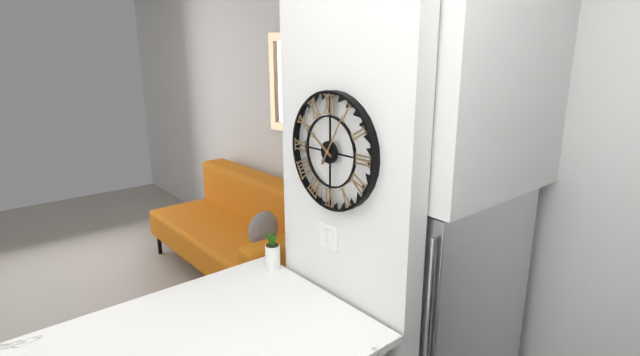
10h05
